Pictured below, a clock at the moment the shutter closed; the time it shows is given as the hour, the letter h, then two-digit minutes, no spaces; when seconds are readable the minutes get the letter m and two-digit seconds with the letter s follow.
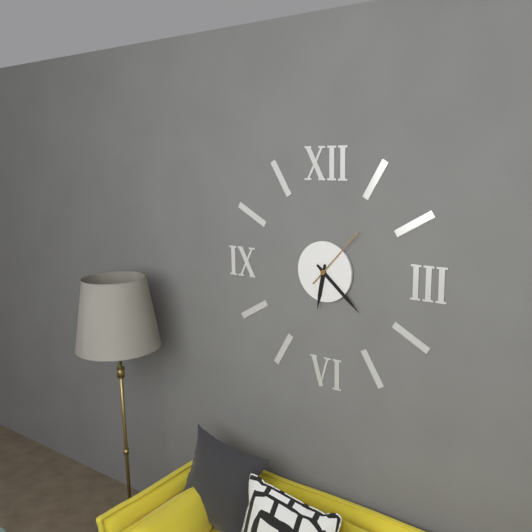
6h22m07s
